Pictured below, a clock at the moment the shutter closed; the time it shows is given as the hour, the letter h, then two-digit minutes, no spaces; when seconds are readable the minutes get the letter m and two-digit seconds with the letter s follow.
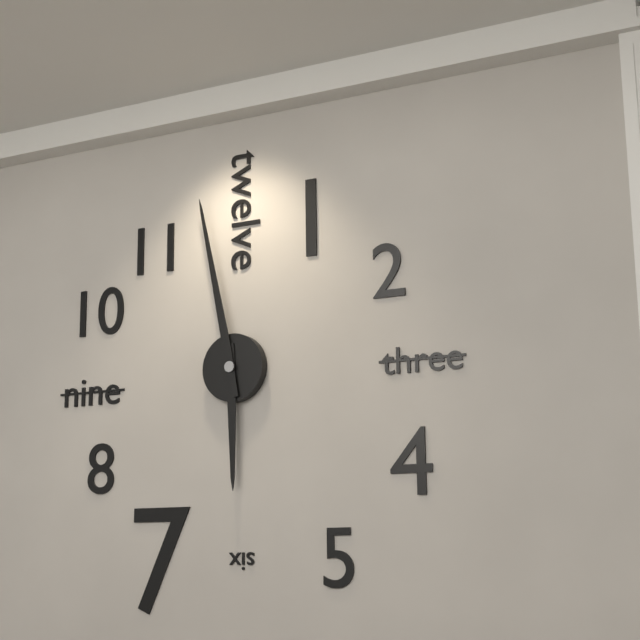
5h58
